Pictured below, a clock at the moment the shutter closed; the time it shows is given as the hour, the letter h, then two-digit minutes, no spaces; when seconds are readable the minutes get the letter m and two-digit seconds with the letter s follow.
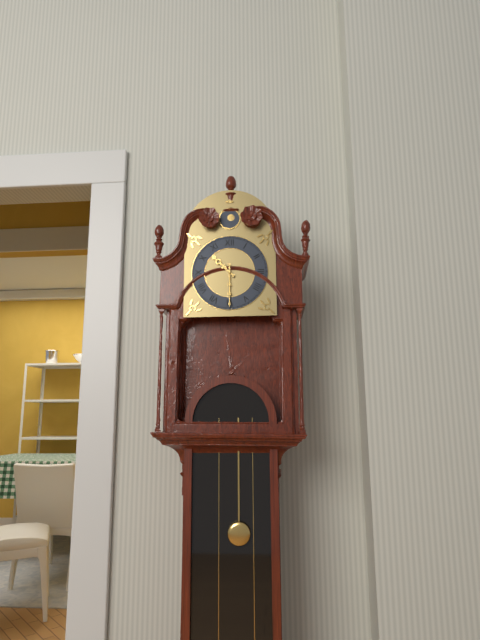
10h30
